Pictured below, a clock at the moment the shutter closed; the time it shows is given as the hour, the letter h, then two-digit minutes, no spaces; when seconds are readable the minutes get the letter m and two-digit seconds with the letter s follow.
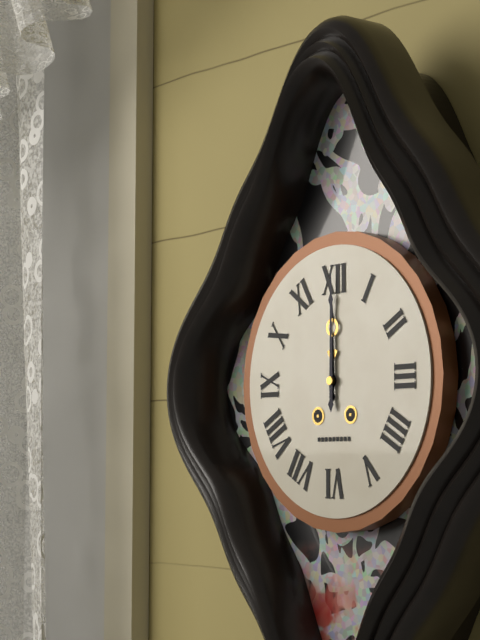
12h00
